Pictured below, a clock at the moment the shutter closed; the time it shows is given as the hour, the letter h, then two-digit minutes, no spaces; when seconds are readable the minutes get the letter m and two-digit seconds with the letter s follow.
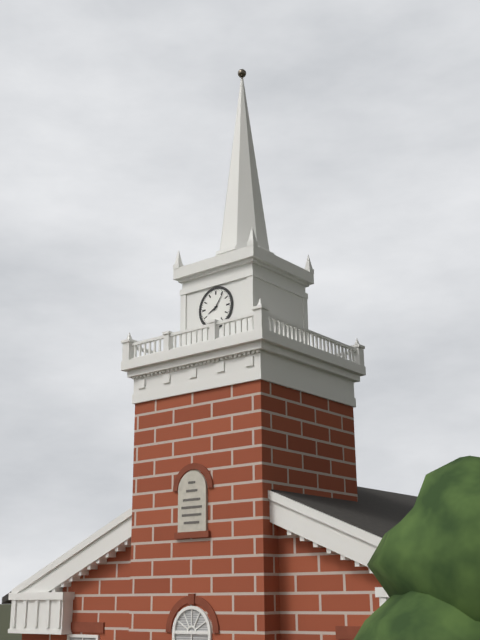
8h06
